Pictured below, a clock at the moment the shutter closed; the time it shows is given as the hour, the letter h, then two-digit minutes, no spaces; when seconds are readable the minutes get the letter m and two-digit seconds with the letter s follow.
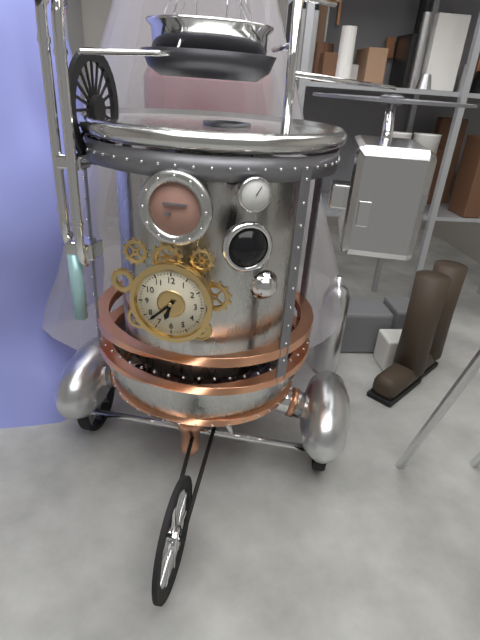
6h38
